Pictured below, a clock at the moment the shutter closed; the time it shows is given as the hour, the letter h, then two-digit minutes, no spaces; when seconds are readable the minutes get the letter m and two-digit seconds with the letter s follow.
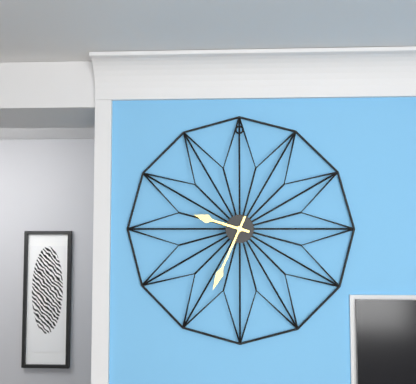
9h34
